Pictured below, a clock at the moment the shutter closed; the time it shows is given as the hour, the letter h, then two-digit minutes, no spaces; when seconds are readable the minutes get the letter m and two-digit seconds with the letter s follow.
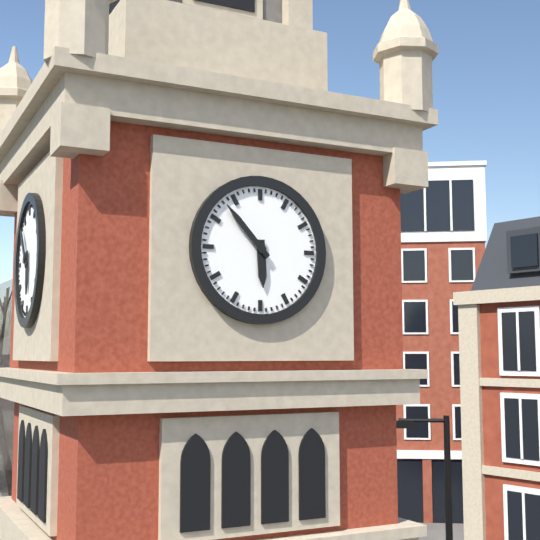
5h53
